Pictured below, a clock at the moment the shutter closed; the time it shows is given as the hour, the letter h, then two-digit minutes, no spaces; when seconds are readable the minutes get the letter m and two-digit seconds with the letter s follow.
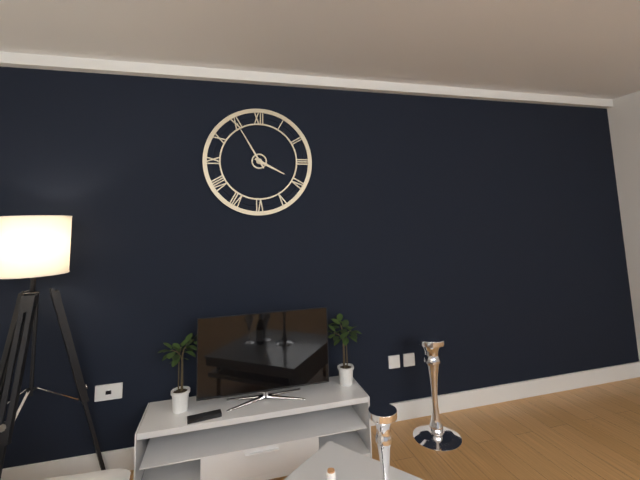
3h55
